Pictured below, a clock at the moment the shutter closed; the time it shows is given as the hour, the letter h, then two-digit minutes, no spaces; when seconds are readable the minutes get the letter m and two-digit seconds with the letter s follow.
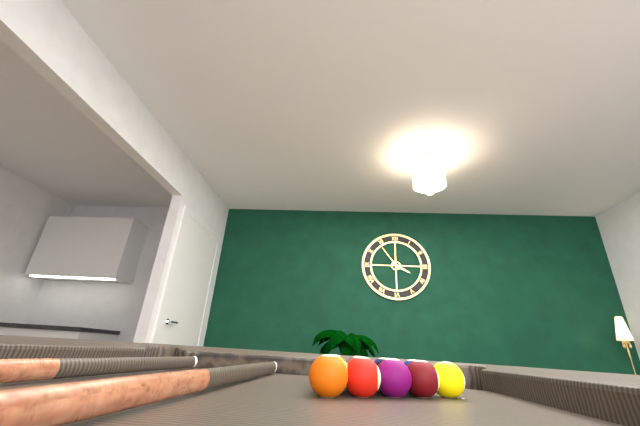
3h54
